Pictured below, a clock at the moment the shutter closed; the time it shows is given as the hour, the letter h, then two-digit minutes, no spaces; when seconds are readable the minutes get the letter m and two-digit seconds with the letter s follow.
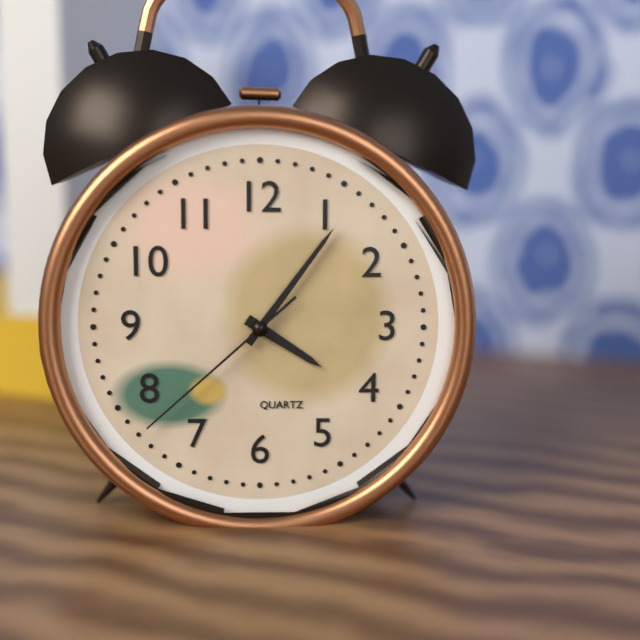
4h06m38s
